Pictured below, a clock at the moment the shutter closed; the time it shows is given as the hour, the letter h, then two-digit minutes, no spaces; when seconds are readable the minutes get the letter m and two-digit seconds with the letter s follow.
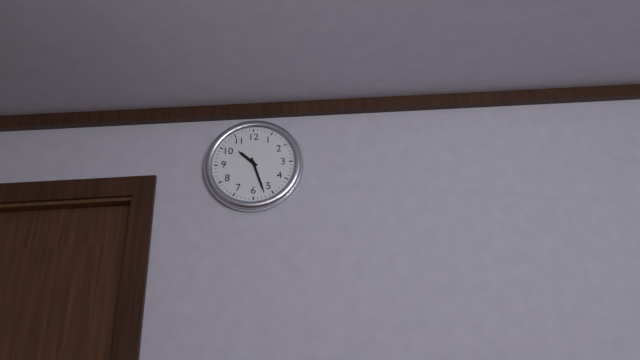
10h27
